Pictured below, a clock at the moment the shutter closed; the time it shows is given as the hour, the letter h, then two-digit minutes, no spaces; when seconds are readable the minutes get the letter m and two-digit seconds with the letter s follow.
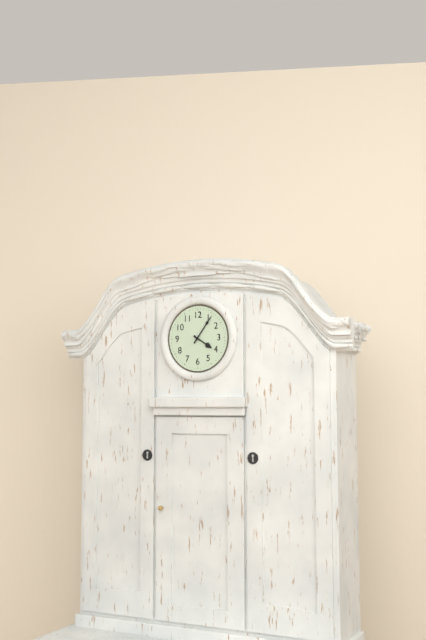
4h06
